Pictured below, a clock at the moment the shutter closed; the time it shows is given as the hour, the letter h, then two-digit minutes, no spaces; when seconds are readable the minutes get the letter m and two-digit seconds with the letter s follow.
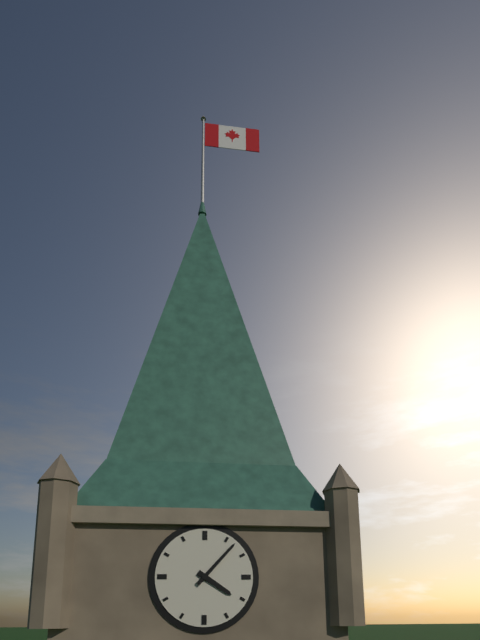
4h07
